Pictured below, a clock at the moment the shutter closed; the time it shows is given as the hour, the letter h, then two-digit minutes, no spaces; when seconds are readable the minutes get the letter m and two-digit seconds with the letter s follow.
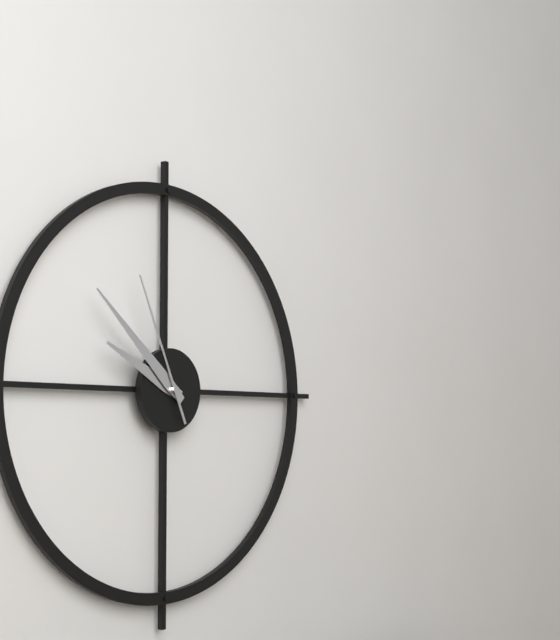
9h52m56s
